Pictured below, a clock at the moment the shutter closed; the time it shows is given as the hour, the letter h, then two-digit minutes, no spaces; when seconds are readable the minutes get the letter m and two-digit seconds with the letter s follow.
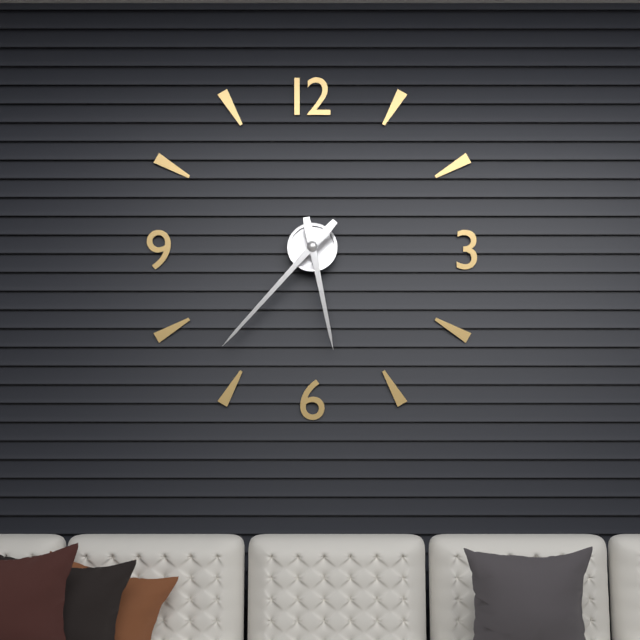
5h37
